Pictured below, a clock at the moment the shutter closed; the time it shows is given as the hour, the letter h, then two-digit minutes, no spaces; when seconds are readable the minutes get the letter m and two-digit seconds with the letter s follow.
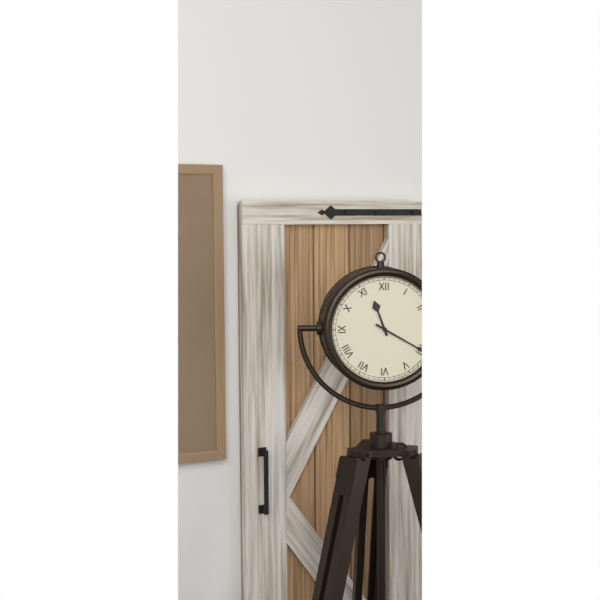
11h20
